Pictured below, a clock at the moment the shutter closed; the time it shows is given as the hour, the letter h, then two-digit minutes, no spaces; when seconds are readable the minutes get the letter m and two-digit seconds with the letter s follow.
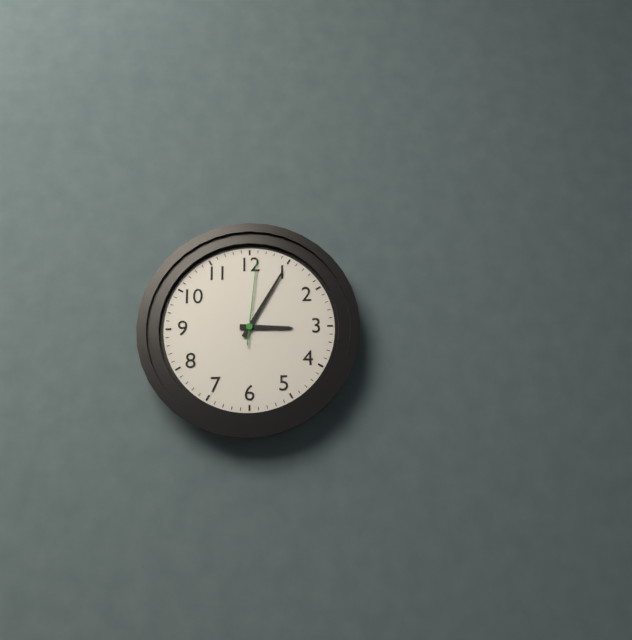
3h05m01s
